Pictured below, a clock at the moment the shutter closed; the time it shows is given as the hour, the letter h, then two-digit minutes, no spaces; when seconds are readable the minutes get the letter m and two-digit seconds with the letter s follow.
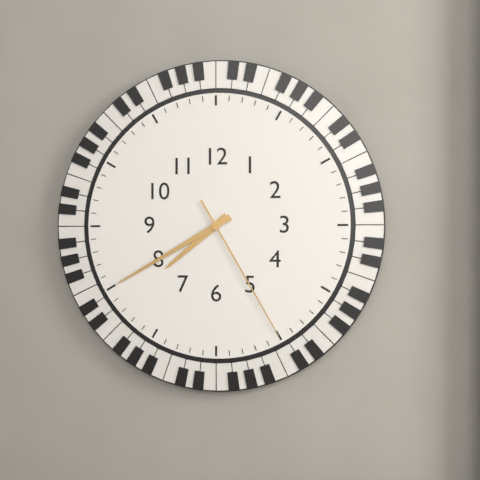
7h40m25s
